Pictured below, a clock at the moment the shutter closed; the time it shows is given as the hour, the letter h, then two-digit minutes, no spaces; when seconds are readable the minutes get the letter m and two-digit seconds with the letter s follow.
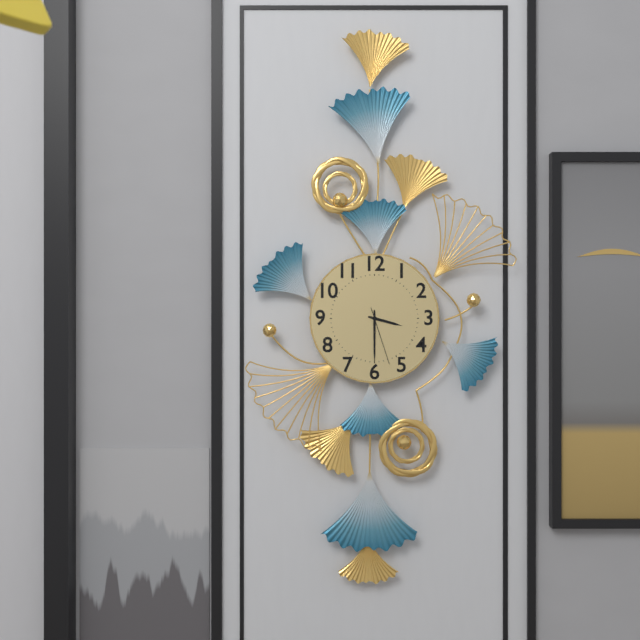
3h30m27s
